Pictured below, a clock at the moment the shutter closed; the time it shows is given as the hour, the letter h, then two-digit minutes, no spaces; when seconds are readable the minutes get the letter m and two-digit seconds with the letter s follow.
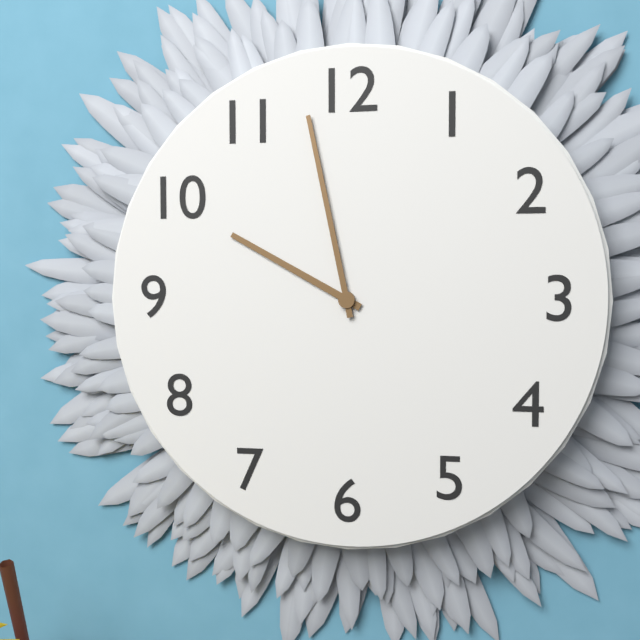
9h58
